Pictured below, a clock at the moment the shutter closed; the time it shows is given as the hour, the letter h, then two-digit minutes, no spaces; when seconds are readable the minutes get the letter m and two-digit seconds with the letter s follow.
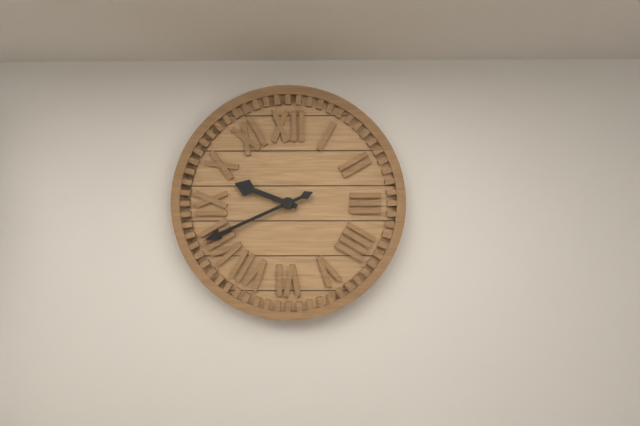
9h41
